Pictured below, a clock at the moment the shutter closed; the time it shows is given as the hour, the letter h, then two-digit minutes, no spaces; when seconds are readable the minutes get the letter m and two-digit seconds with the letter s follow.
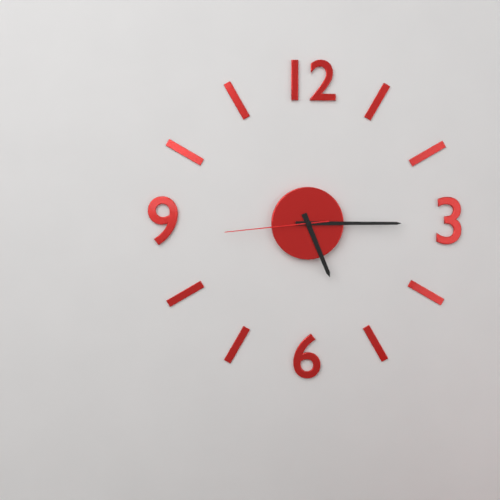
5h15m44s
